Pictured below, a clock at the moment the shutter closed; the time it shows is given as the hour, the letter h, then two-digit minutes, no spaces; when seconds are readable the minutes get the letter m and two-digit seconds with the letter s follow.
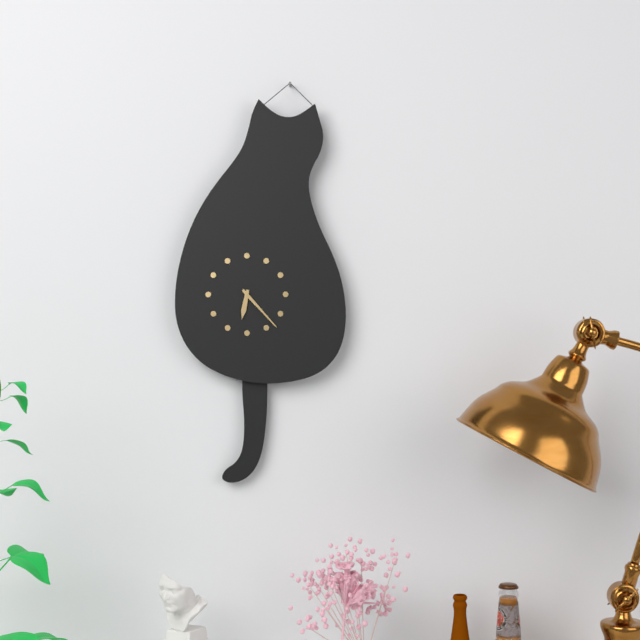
6h23
